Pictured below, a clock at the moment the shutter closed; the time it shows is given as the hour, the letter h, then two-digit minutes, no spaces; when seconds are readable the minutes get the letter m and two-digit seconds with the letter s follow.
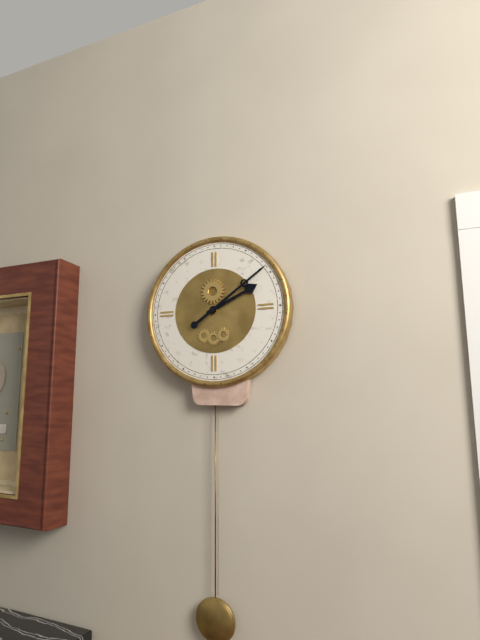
2h09
